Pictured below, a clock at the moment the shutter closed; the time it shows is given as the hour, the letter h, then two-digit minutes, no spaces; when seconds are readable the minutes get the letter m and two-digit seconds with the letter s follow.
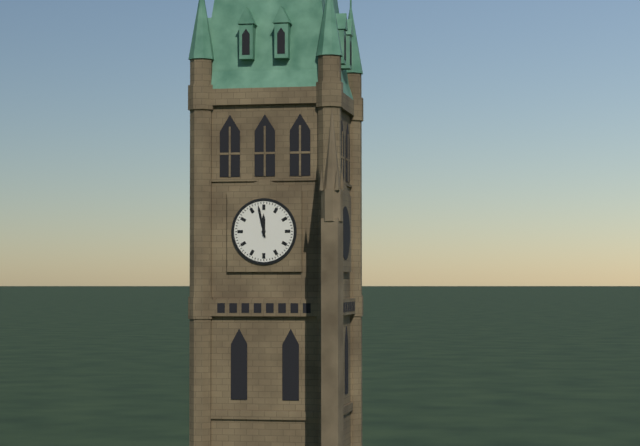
11h58
